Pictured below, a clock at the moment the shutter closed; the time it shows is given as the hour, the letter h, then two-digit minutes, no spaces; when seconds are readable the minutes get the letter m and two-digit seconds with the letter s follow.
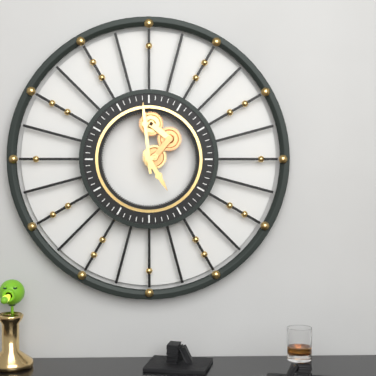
4h59
